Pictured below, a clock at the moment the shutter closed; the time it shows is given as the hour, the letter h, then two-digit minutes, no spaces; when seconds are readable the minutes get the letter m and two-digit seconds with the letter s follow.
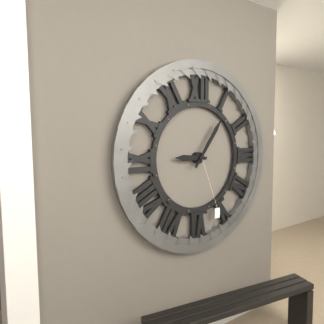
9h06
